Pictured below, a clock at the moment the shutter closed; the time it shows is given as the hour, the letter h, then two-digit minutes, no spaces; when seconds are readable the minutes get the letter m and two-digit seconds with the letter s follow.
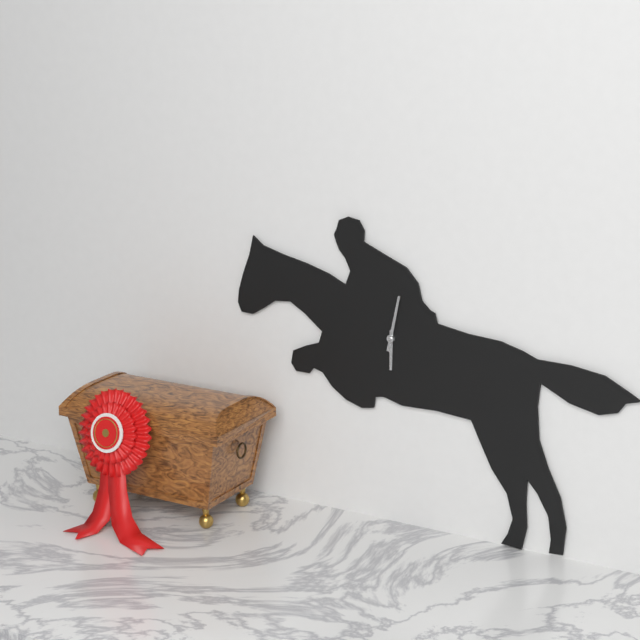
6h02
